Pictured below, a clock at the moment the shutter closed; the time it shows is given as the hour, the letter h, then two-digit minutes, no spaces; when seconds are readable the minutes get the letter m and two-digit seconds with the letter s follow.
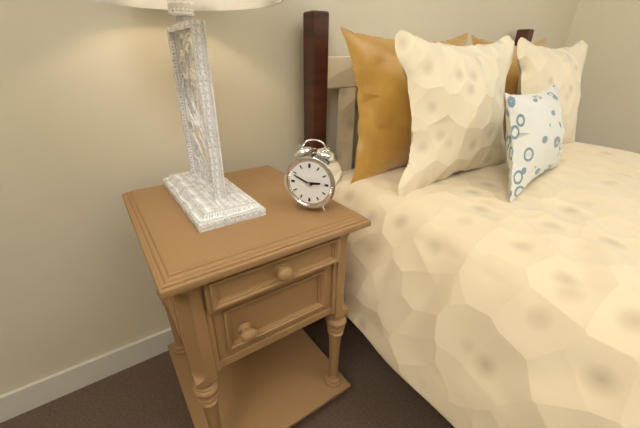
2h49
